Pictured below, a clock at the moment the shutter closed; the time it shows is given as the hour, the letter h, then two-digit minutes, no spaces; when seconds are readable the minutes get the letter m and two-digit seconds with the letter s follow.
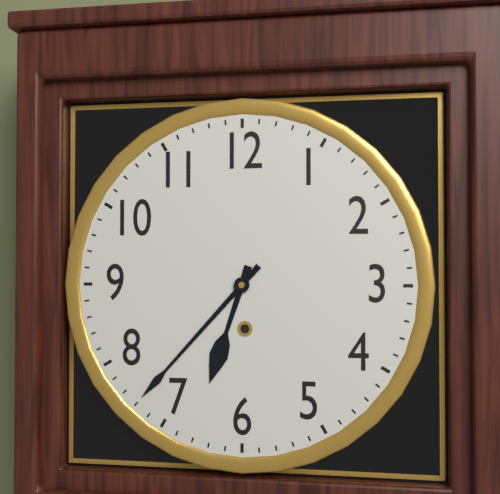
6h37
